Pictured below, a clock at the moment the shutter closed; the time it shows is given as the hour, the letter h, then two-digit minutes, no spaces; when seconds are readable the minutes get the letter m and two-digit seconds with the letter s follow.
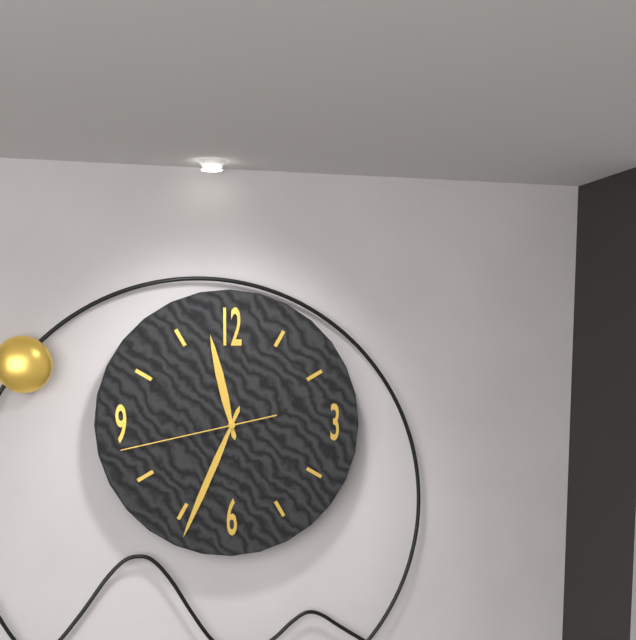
11h34m43s
